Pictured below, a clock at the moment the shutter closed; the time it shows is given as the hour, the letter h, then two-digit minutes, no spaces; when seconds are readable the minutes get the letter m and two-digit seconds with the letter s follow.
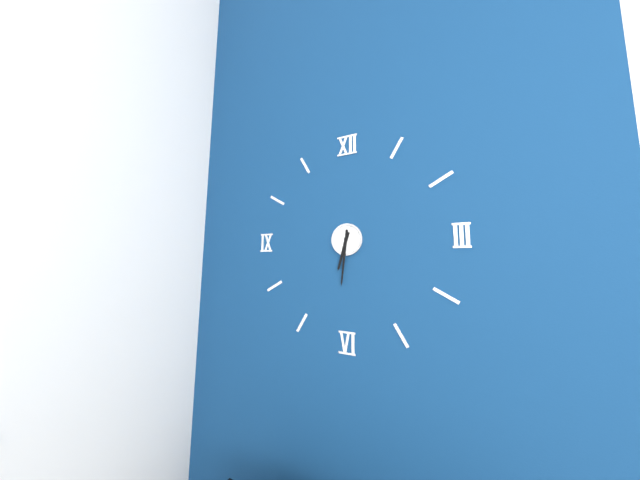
6h31
